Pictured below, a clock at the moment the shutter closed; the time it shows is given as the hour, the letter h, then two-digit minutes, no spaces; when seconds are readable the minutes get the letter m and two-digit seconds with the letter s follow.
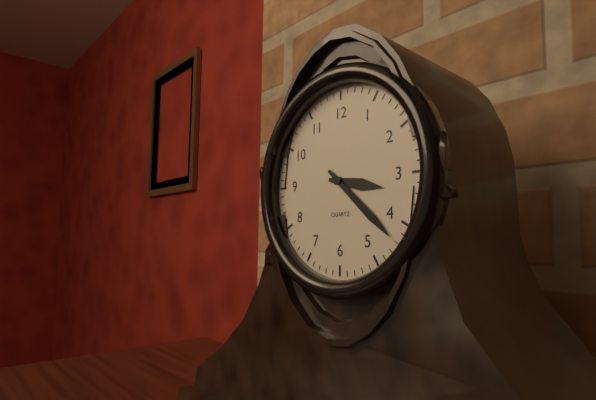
3h22
